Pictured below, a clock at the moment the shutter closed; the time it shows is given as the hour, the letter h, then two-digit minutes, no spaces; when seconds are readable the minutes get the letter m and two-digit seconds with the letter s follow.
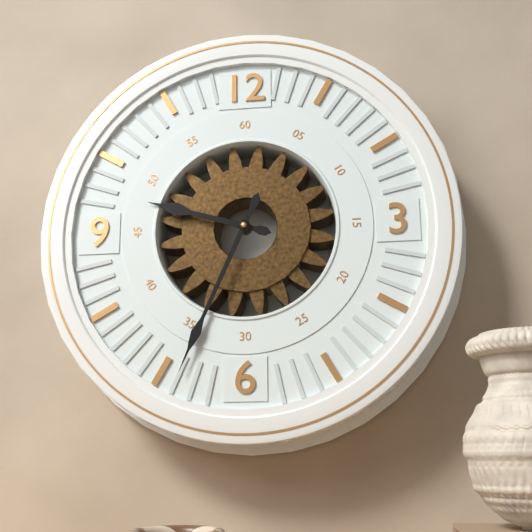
9h34
